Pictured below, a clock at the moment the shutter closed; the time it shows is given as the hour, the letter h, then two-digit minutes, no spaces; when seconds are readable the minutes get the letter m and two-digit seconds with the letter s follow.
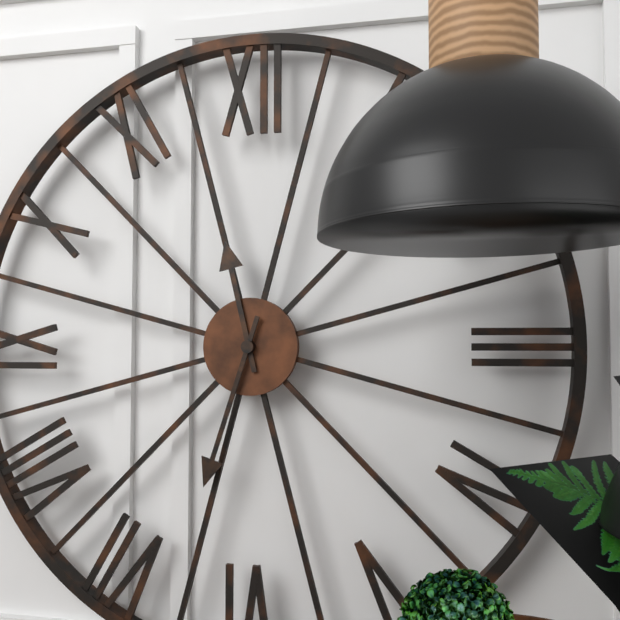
11h33
